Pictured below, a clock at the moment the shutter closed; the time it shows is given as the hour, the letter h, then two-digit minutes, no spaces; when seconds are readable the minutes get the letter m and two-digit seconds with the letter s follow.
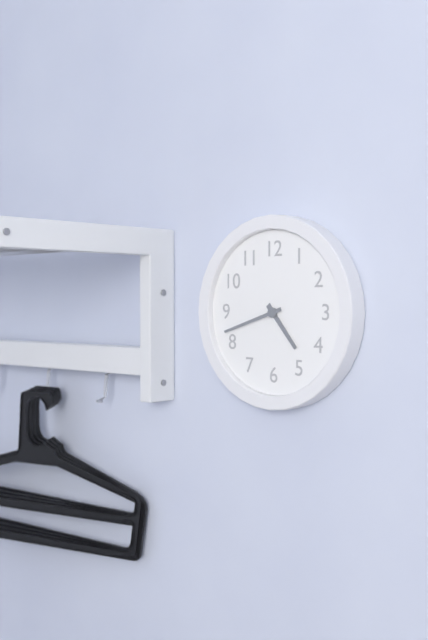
4h42
